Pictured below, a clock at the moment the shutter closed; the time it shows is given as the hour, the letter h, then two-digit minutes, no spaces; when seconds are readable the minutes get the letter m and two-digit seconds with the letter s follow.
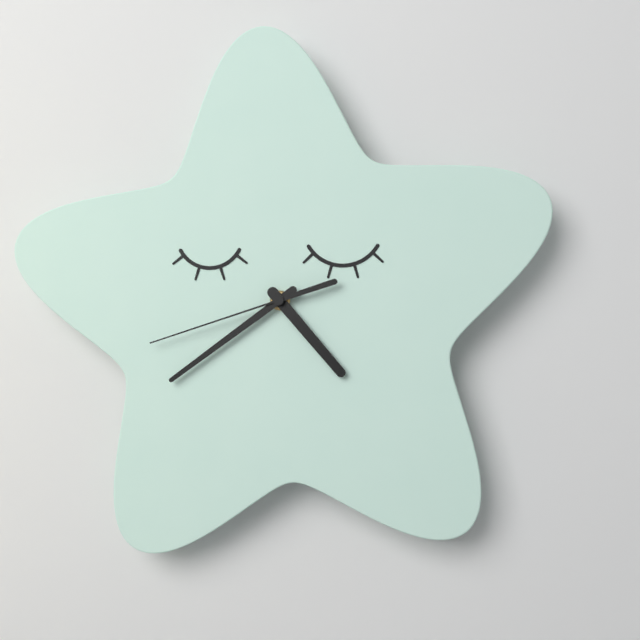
4h39m42s
